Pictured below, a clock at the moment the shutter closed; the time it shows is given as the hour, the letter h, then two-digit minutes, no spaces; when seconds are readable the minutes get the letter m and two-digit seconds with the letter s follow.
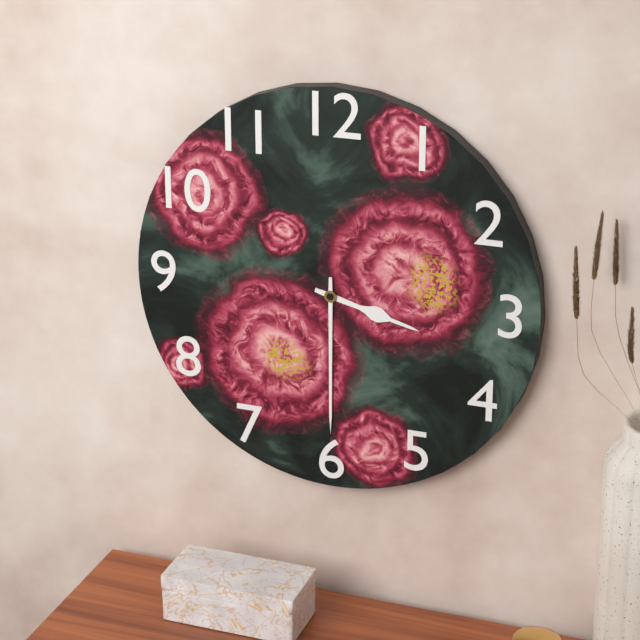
3h30
